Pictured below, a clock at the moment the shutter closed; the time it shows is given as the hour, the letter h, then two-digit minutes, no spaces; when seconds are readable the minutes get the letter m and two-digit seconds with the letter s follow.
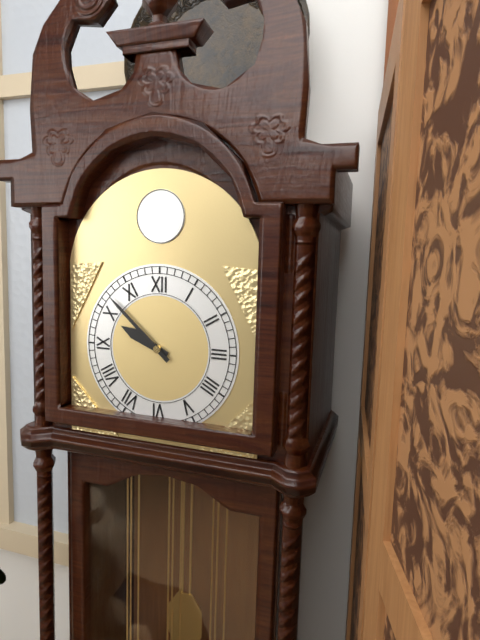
9h52
